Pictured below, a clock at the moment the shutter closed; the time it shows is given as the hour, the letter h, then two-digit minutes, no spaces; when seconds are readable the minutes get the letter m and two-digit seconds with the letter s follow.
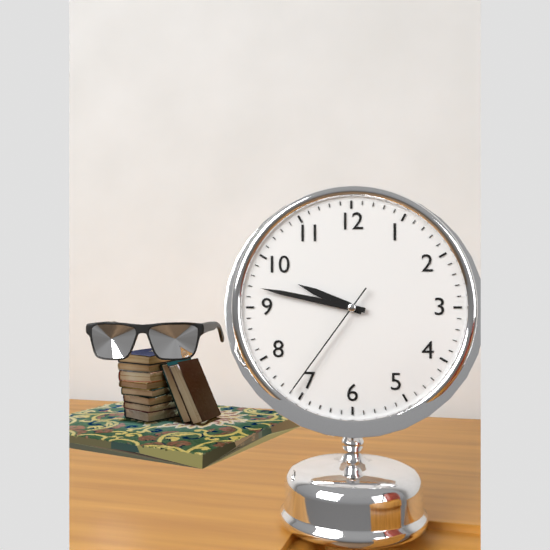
9h47m36s
